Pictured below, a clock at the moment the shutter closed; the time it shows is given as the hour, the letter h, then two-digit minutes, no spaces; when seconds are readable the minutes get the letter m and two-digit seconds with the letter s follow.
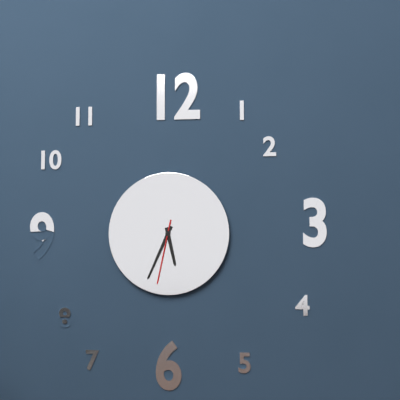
5h34m32s
